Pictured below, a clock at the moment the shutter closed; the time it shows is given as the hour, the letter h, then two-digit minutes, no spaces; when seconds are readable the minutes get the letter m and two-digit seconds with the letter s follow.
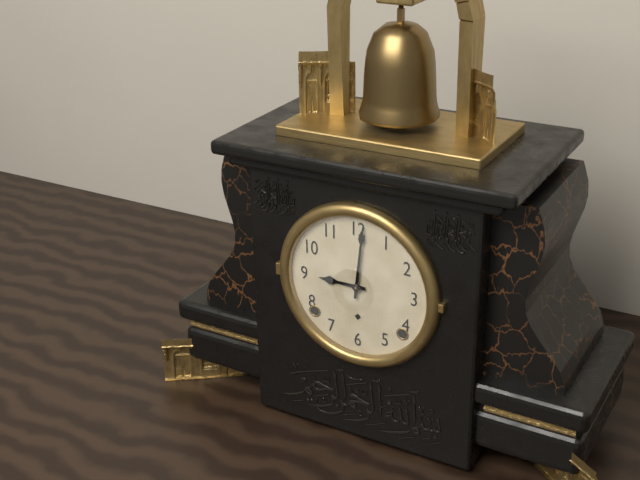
9h01
